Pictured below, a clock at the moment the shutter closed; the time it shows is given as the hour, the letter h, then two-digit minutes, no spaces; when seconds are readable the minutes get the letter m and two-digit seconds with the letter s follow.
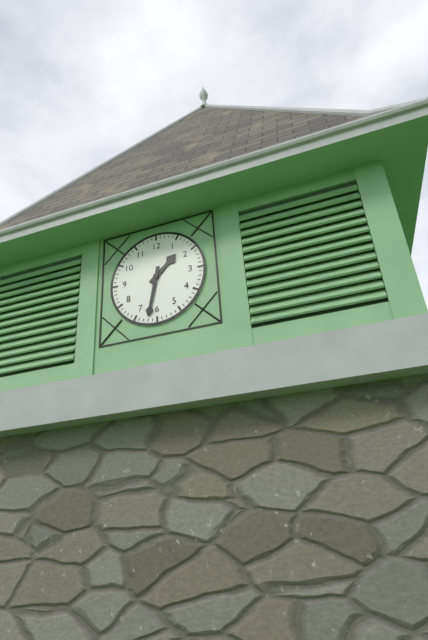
1h32
